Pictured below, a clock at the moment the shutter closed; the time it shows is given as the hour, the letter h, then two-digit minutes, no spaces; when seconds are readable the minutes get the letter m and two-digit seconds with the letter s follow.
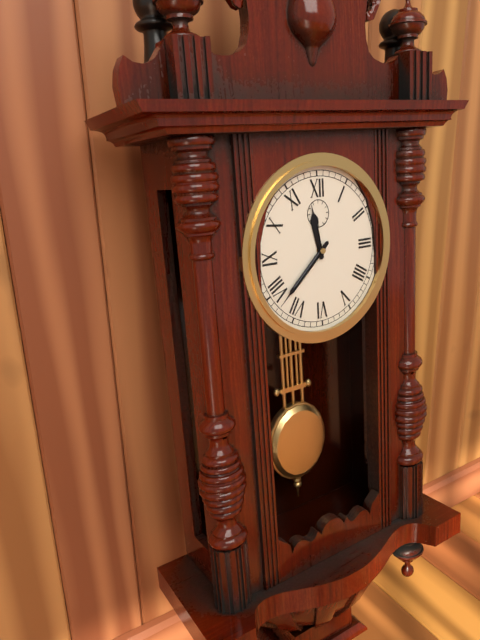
11h38
